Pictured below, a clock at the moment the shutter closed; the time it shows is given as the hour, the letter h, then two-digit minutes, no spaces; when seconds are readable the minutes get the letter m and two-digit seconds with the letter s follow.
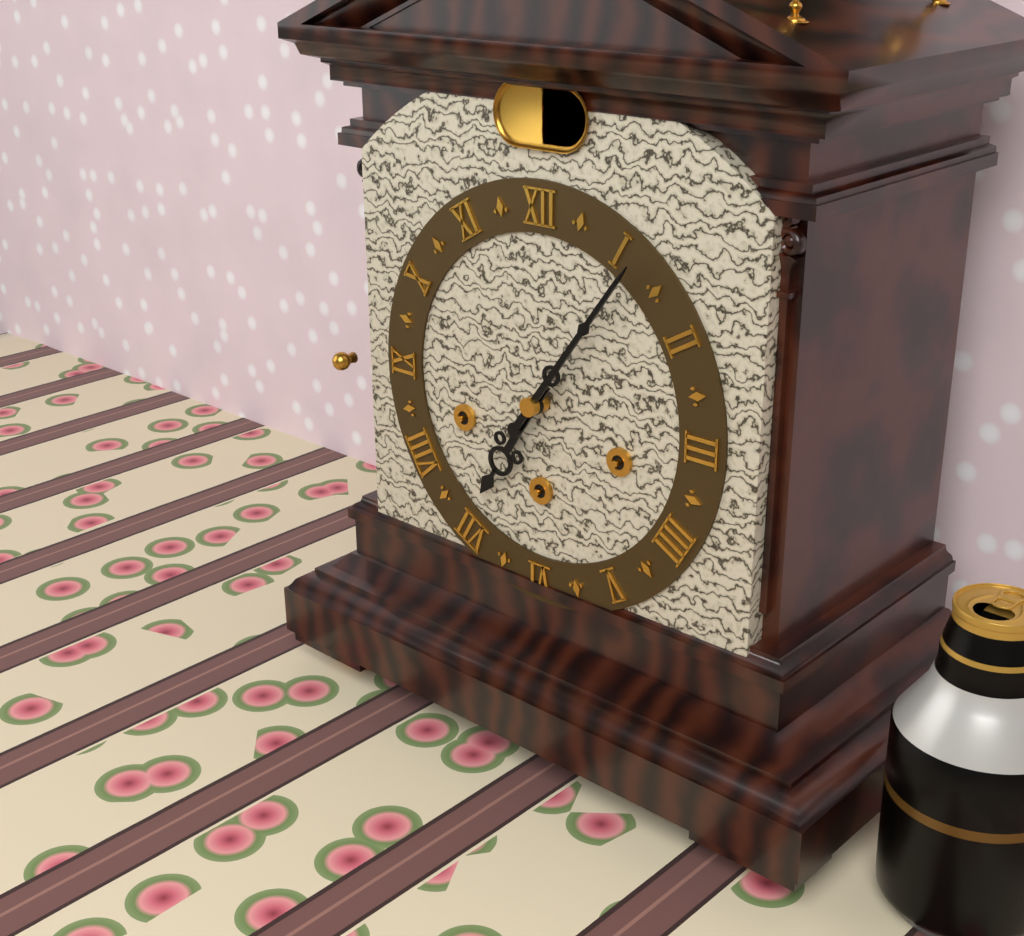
7h06
